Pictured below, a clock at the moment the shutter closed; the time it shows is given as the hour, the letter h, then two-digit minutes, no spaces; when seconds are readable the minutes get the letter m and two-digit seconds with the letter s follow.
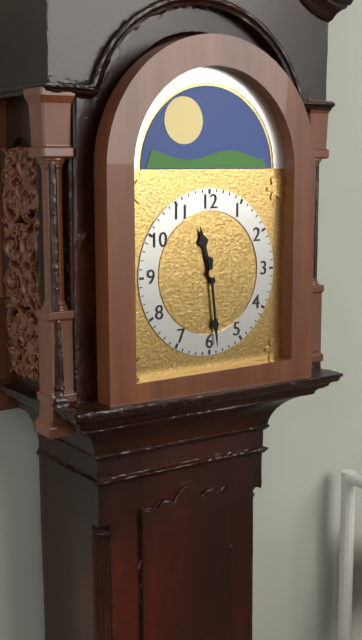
11h29
